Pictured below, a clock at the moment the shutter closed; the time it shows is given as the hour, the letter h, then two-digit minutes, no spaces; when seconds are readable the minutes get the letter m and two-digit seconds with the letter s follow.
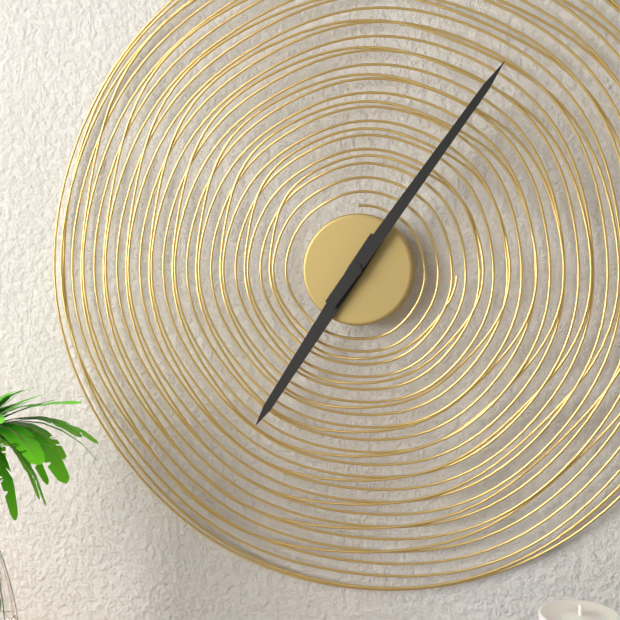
7h06
